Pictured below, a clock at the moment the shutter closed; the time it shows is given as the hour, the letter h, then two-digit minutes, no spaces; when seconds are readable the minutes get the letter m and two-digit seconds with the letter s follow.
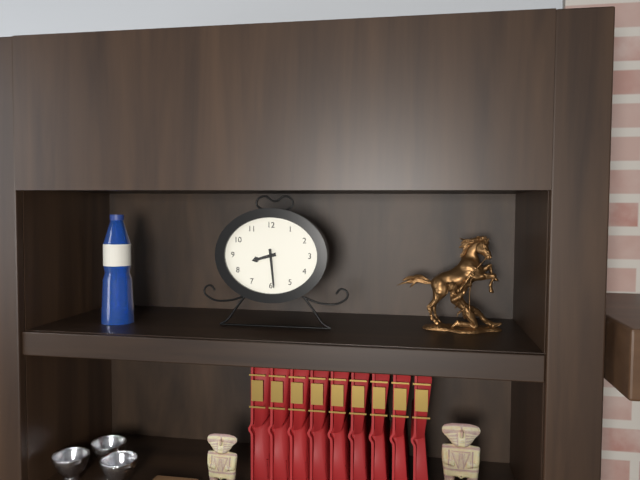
8h29
